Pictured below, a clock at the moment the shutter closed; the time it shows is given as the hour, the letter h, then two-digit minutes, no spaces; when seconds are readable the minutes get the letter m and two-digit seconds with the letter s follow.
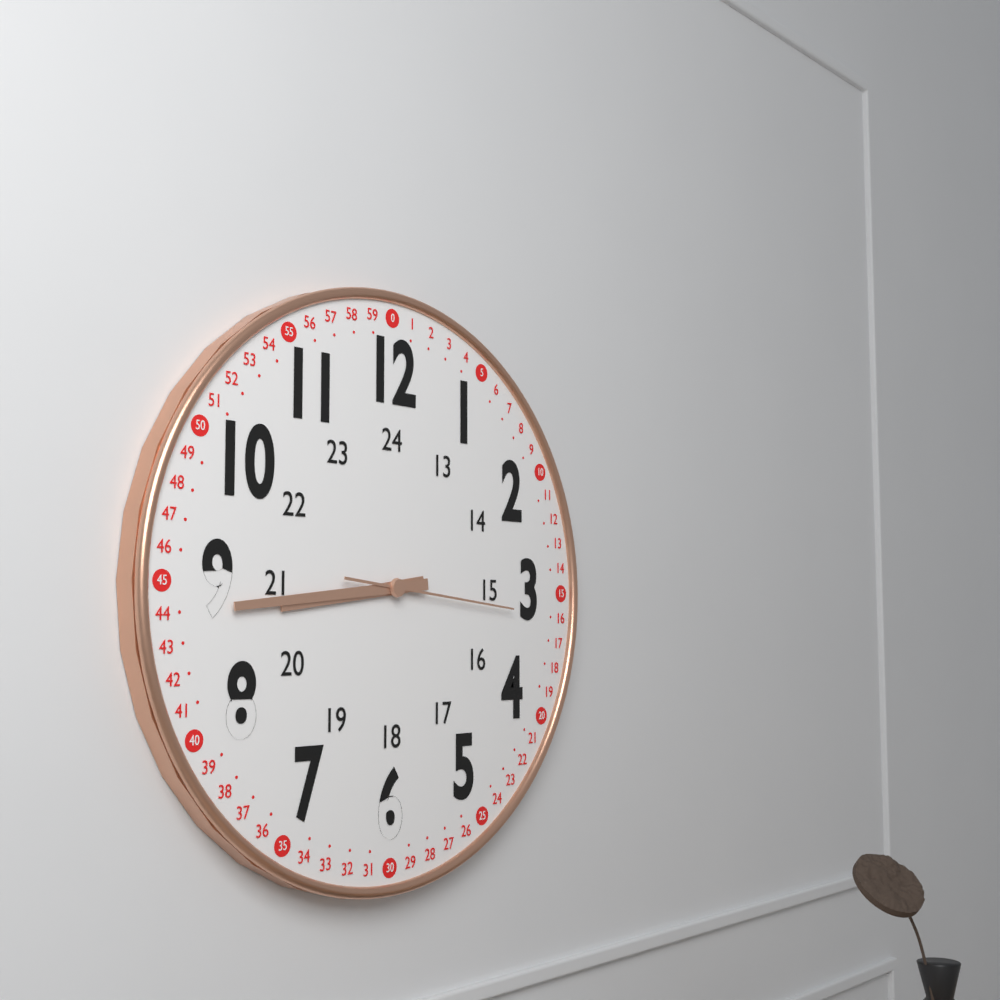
8h44m16s
